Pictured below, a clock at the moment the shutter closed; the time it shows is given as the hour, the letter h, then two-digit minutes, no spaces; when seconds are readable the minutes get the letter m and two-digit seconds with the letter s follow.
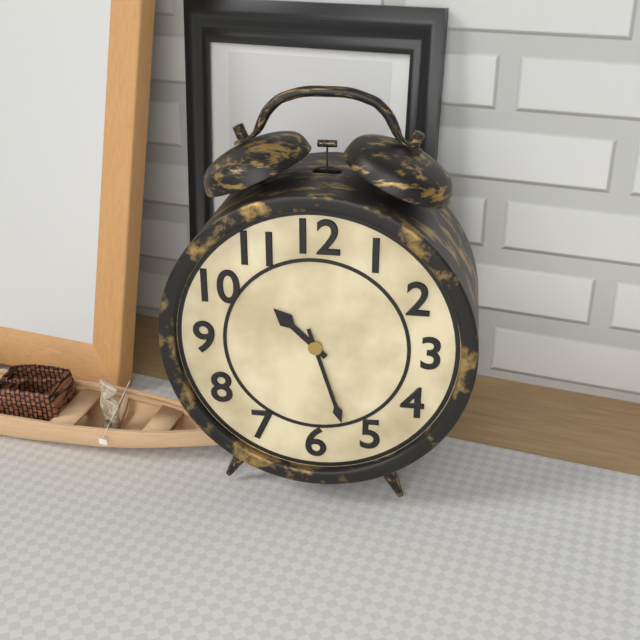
10h27
